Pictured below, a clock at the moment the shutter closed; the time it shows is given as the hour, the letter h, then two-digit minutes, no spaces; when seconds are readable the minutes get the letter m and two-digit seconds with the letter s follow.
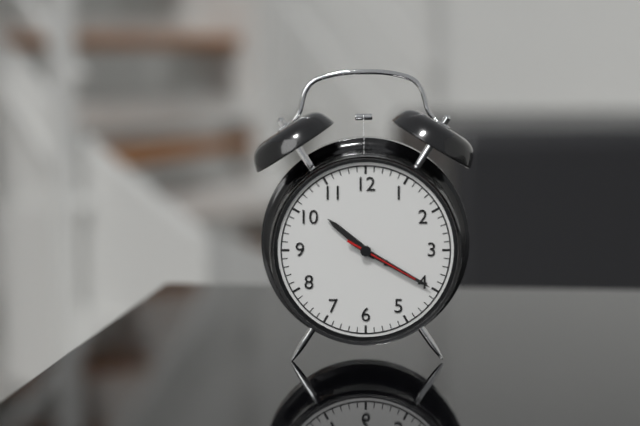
10h20m20s
